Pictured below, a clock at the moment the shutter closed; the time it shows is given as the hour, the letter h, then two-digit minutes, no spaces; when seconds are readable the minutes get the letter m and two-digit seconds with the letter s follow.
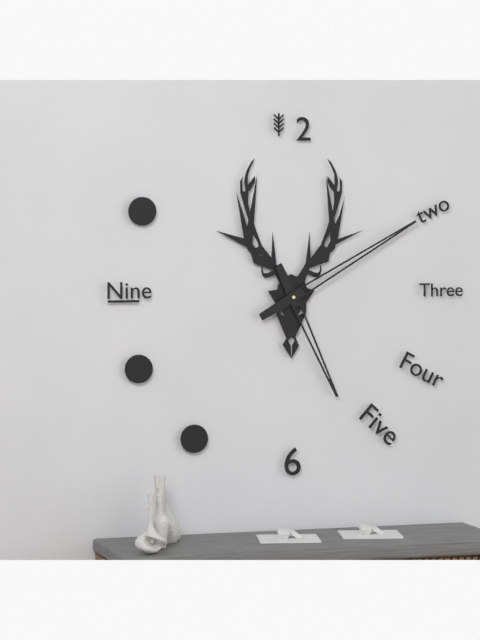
5h10
